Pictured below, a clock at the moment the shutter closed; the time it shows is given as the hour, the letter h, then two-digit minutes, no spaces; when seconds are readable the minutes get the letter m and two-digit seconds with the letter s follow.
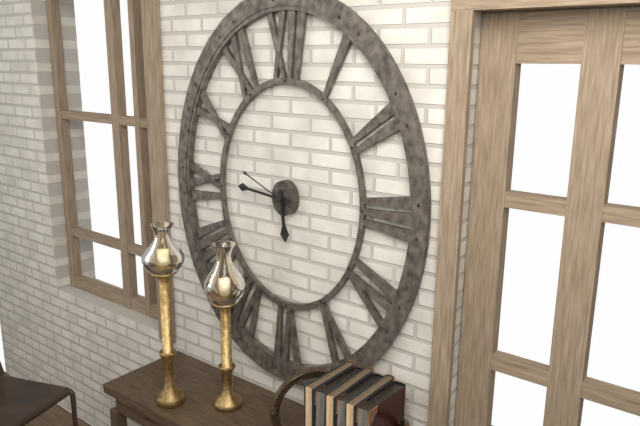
5h46m49s
